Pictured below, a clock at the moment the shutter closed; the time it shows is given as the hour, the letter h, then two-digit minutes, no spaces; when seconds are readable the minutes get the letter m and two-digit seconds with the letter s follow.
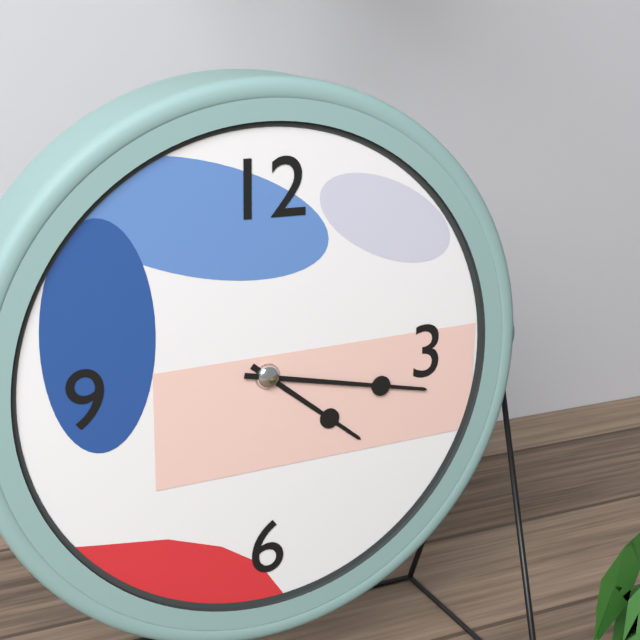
4h17
